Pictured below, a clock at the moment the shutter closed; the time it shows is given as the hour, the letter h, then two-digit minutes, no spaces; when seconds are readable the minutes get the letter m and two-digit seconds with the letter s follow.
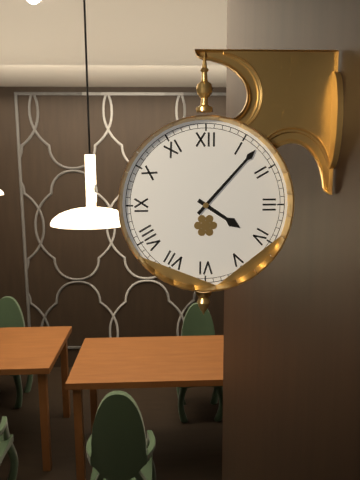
4h07
